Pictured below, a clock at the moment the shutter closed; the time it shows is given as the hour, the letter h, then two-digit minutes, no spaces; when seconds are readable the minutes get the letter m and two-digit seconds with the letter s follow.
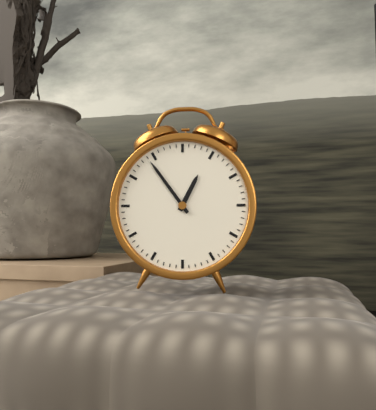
12h54
